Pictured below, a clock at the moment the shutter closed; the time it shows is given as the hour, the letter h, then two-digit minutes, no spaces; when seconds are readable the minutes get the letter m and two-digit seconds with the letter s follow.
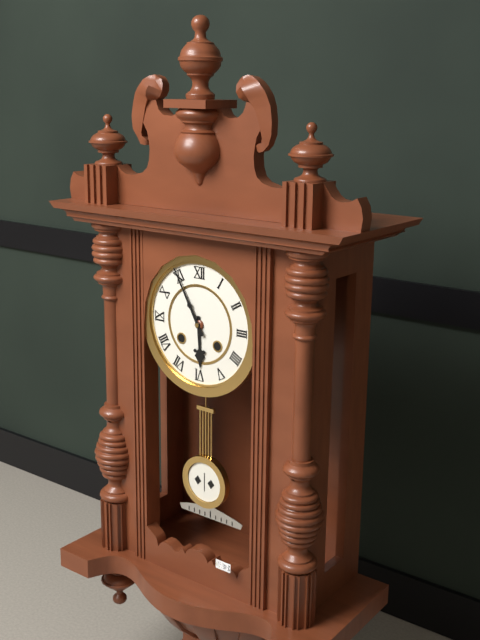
5h55
